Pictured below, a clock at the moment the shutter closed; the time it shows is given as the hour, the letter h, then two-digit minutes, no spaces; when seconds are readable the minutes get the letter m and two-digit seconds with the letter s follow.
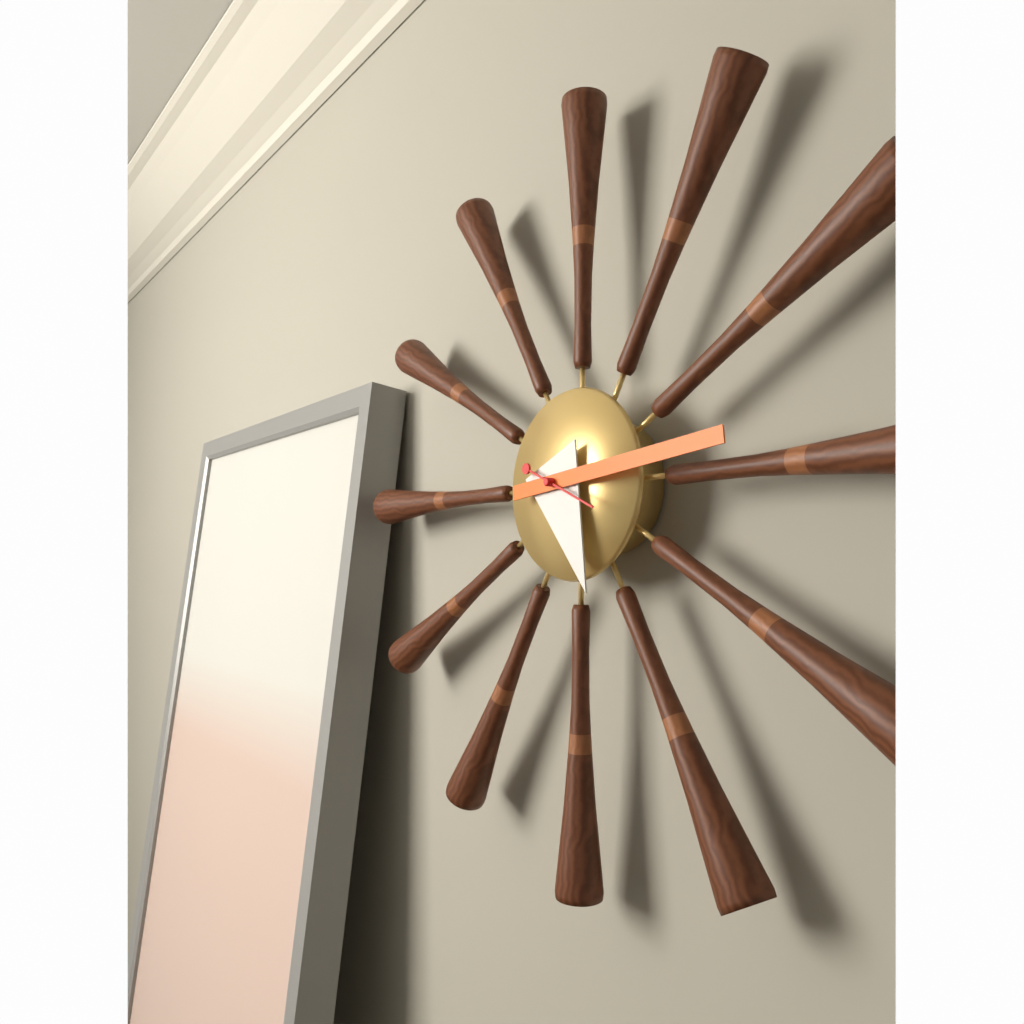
5h14
